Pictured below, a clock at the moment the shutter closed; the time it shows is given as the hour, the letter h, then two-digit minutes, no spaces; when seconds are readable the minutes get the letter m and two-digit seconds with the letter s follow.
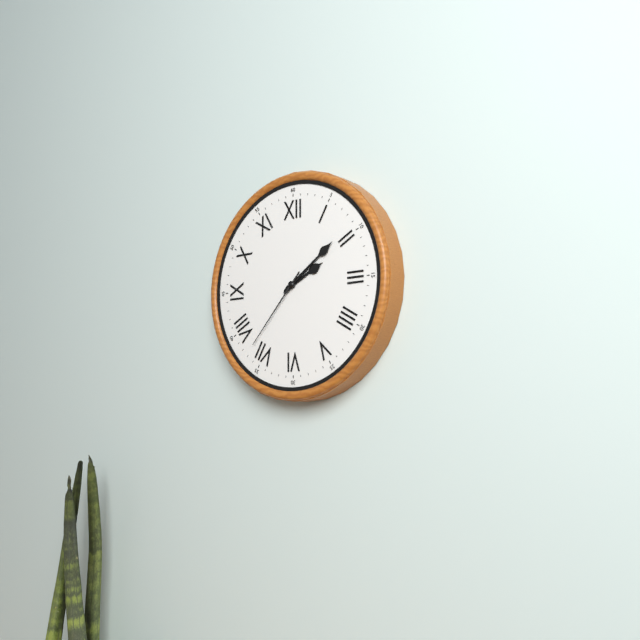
2h09m37s
